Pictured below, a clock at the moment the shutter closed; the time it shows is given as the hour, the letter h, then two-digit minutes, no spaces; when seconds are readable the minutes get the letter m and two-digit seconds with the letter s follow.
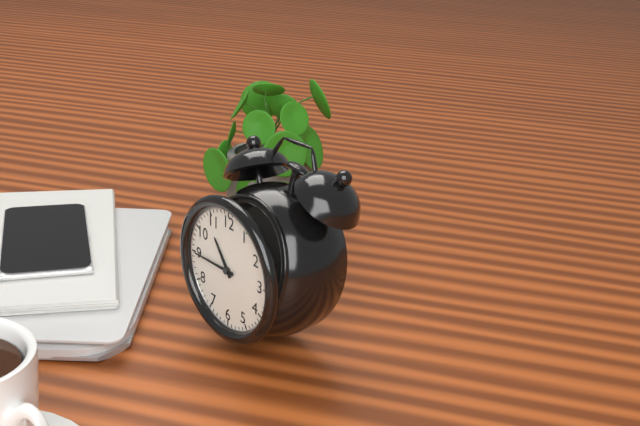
10h45
